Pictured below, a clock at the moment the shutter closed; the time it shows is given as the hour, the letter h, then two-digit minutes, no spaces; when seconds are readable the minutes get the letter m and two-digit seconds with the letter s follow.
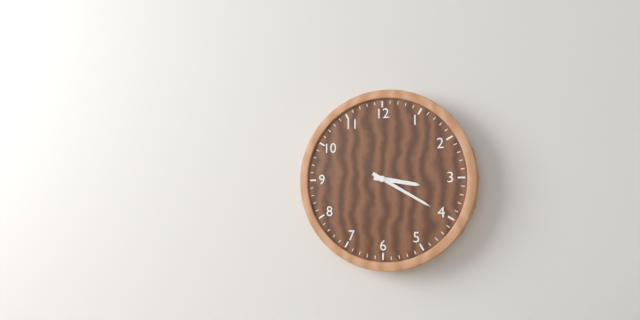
3h20
